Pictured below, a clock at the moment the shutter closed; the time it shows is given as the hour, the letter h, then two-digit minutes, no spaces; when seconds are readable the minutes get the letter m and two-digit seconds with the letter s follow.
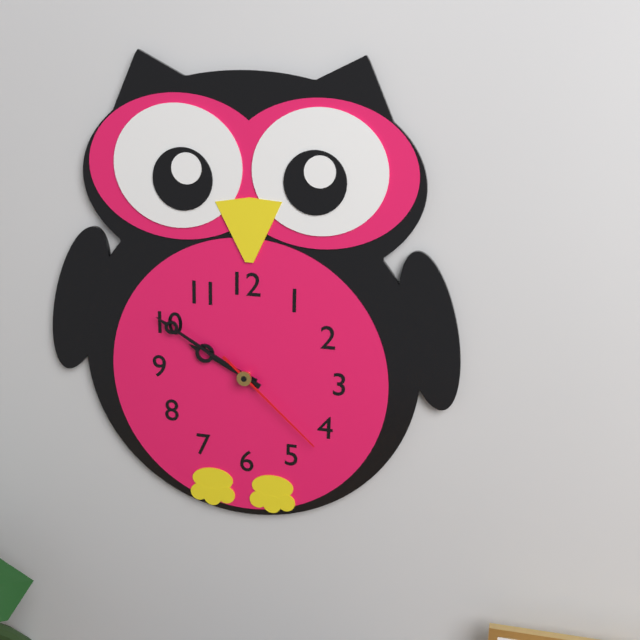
9h50m22s
